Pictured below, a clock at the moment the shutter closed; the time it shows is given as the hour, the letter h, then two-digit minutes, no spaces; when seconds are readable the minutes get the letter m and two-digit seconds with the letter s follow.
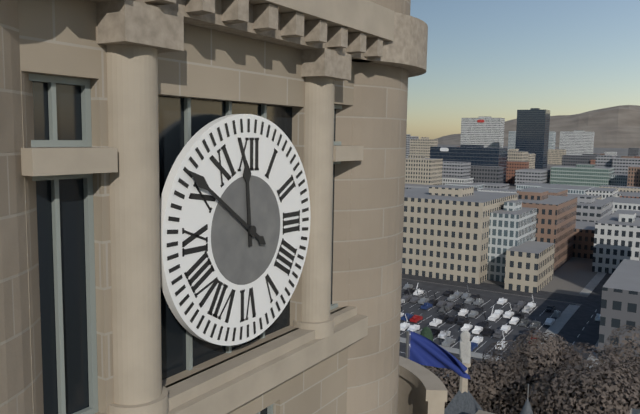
11h51
